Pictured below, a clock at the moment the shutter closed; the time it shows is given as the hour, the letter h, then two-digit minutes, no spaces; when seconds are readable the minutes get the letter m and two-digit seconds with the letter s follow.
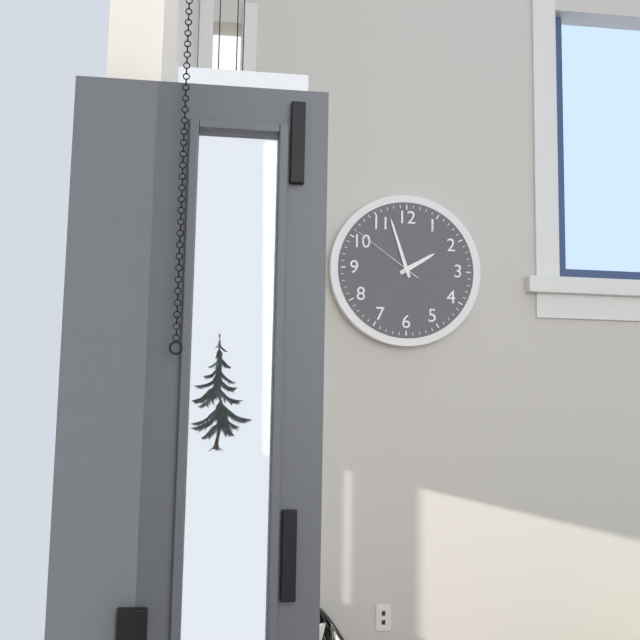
1h57m51s
